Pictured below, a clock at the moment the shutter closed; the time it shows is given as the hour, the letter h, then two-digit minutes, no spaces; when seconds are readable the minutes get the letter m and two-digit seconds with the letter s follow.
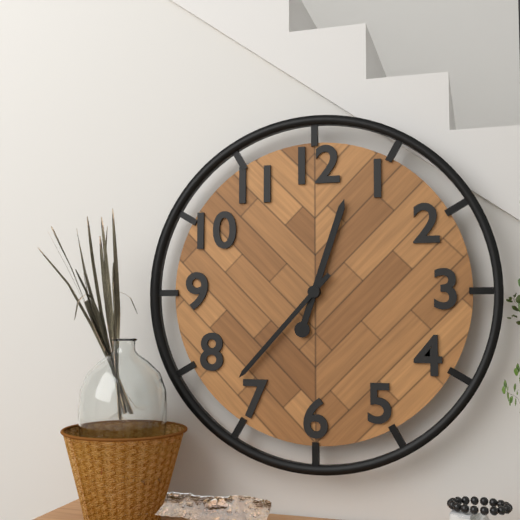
12h37
